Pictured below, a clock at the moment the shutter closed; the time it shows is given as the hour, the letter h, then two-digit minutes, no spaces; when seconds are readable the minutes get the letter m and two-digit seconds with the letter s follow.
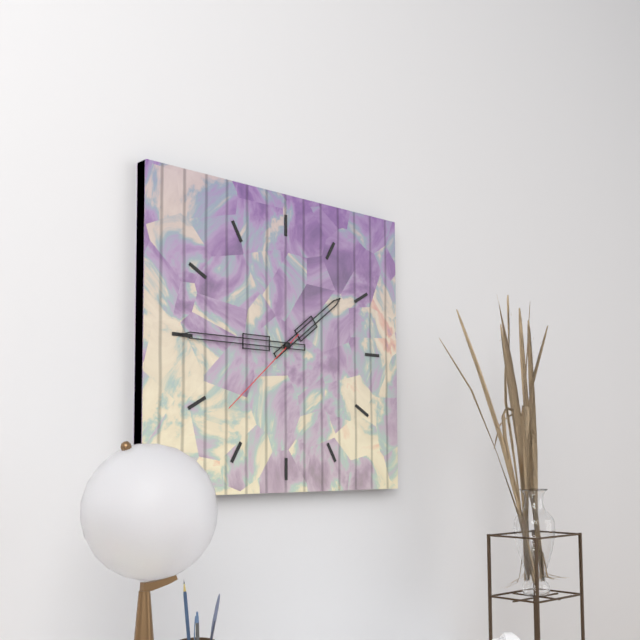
1h45m38s
